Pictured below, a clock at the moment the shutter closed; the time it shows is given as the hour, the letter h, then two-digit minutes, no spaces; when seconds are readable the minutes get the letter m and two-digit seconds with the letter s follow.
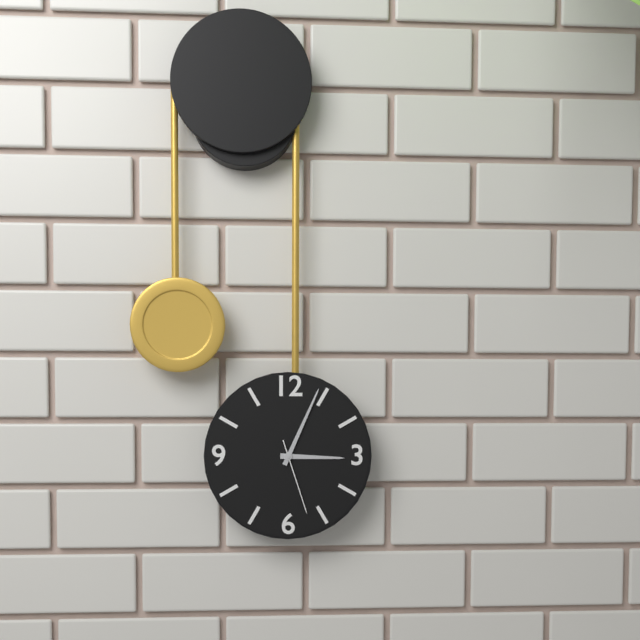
3h04m27s
